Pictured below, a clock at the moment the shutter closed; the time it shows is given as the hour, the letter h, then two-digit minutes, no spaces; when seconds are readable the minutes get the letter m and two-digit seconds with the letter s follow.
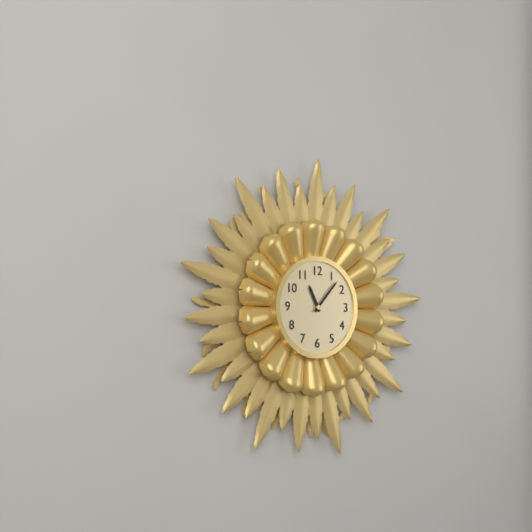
11h07
